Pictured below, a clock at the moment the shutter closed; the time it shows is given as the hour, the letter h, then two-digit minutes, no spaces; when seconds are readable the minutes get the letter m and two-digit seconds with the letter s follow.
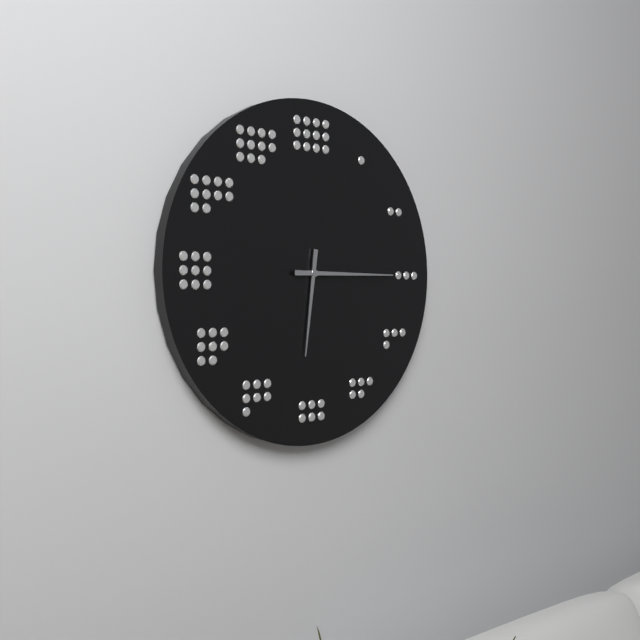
6h15
